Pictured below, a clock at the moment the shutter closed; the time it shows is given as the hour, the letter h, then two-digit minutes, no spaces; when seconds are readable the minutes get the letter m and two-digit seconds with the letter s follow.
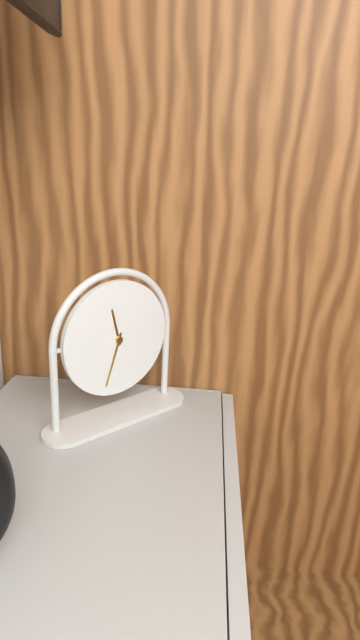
11h33
